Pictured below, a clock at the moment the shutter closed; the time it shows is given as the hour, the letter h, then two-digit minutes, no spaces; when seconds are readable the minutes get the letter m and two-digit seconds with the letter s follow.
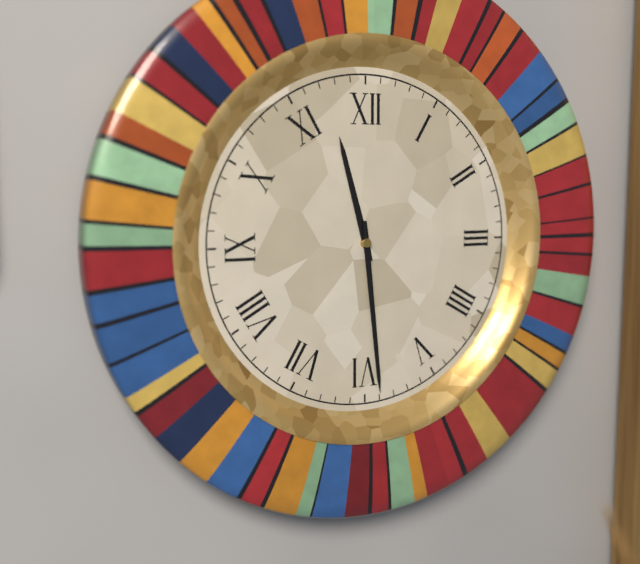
11h29
